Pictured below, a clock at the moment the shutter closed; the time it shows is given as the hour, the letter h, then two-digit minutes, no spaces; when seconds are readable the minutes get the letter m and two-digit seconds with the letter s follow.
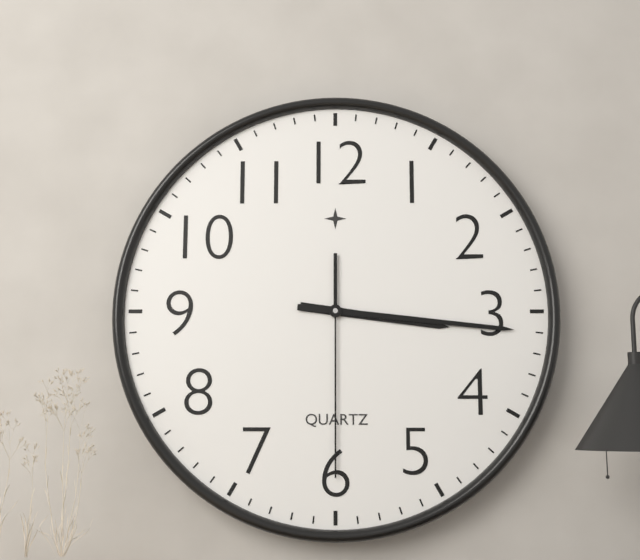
3h16m30s
